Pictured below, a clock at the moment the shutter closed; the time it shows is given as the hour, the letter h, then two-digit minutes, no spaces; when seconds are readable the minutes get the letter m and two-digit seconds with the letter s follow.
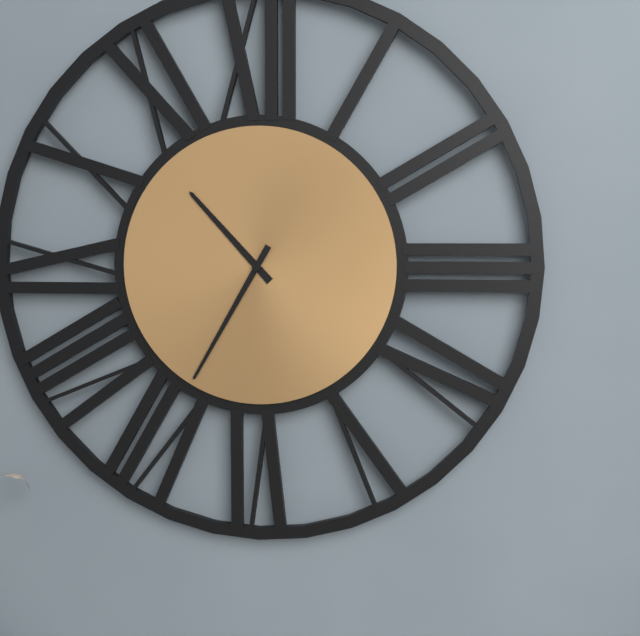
10h35
